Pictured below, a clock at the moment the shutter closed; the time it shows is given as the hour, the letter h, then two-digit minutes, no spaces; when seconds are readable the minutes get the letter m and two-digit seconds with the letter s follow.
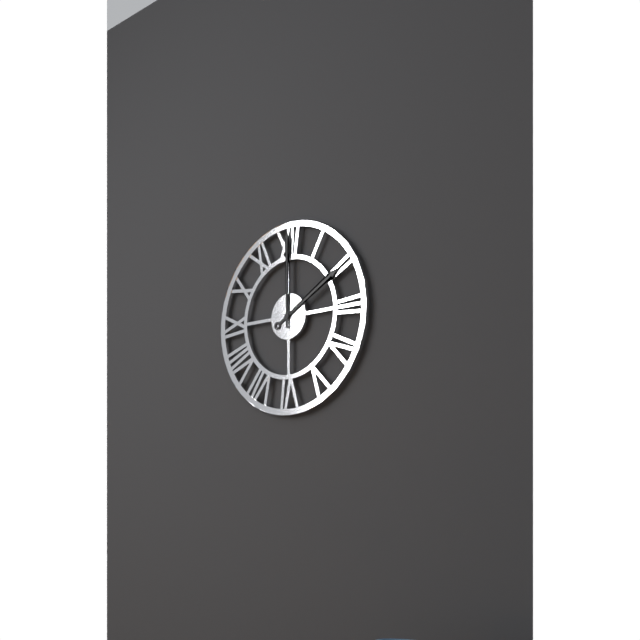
2h00
